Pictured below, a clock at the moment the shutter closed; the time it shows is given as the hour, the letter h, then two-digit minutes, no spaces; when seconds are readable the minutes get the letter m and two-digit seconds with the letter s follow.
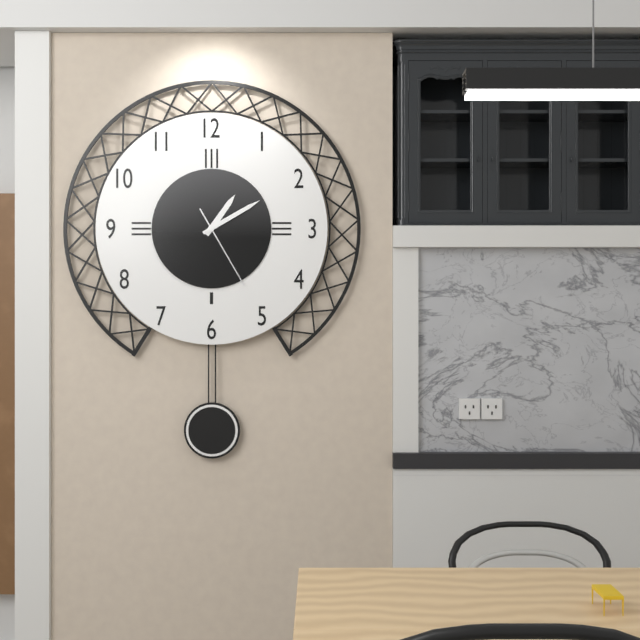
1h10m25s
